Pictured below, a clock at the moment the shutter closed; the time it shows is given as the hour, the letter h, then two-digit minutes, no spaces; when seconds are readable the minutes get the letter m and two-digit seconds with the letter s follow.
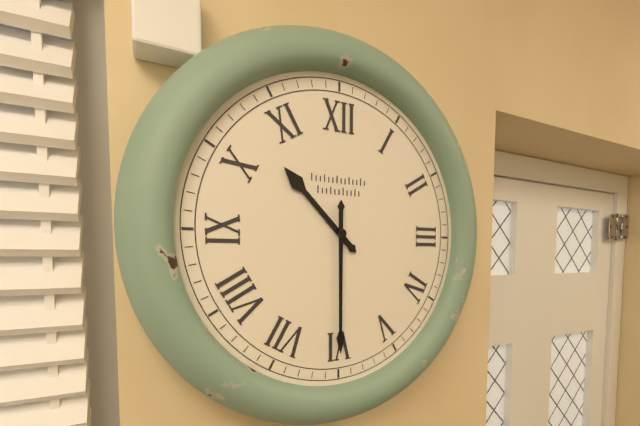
10h30
